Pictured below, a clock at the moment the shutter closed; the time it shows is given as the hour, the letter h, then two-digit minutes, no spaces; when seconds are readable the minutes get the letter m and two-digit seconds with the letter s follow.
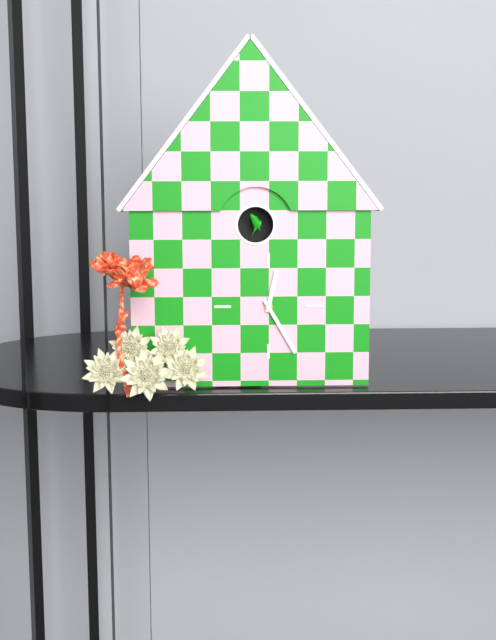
12h25
